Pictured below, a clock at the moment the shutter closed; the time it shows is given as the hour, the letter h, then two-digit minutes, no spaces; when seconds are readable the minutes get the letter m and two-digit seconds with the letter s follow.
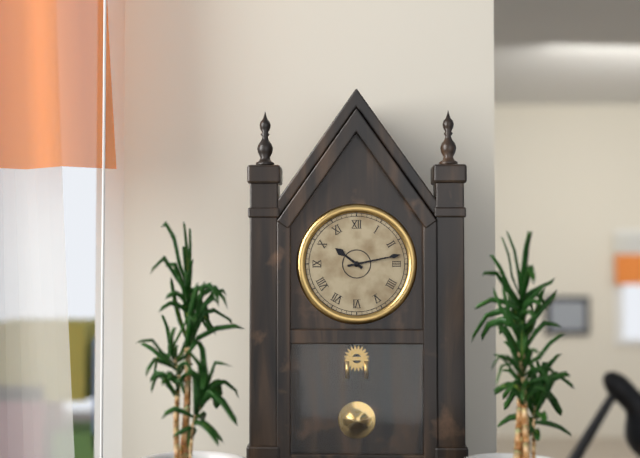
10h13
